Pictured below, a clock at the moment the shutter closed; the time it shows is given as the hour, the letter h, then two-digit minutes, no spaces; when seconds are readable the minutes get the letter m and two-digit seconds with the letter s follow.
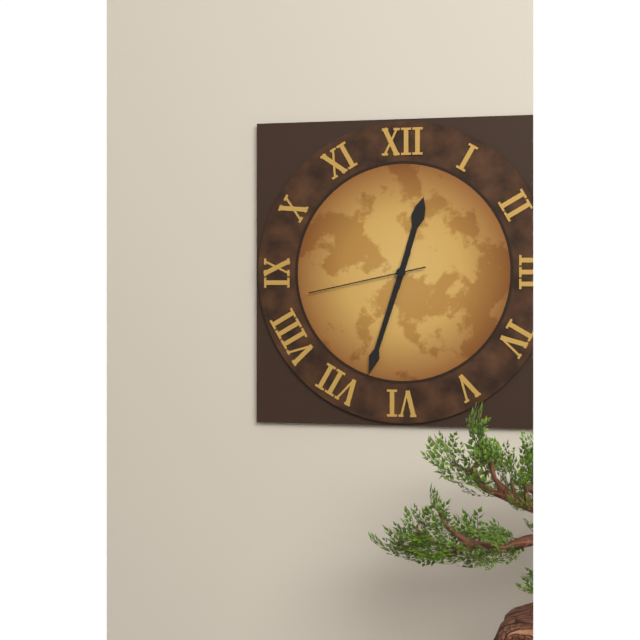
12h33m43s
